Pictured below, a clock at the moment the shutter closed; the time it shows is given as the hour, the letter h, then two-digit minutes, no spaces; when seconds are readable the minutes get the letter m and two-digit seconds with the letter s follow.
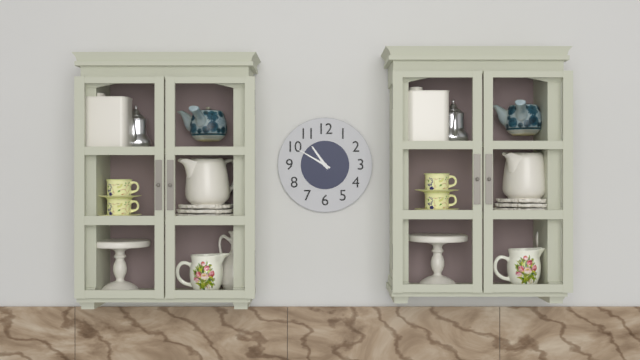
10h50
